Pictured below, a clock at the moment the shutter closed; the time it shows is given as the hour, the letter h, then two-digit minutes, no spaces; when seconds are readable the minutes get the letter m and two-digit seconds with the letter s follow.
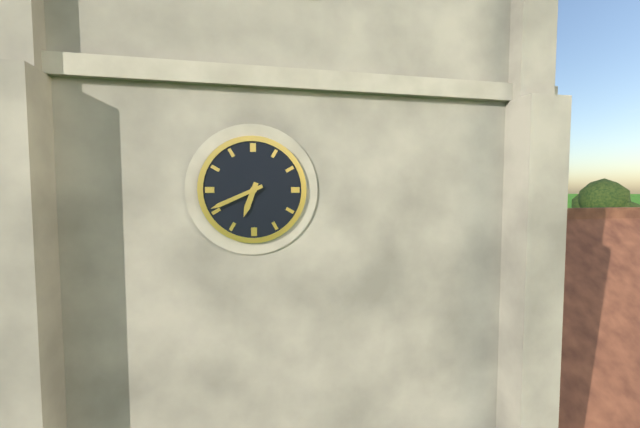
6h41
